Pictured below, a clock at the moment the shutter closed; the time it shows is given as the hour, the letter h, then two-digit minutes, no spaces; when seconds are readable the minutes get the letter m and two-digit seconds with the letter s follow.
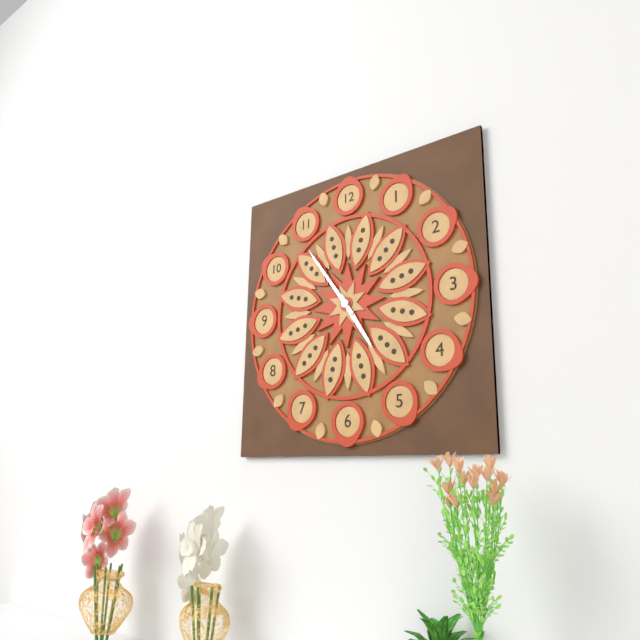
4h54
